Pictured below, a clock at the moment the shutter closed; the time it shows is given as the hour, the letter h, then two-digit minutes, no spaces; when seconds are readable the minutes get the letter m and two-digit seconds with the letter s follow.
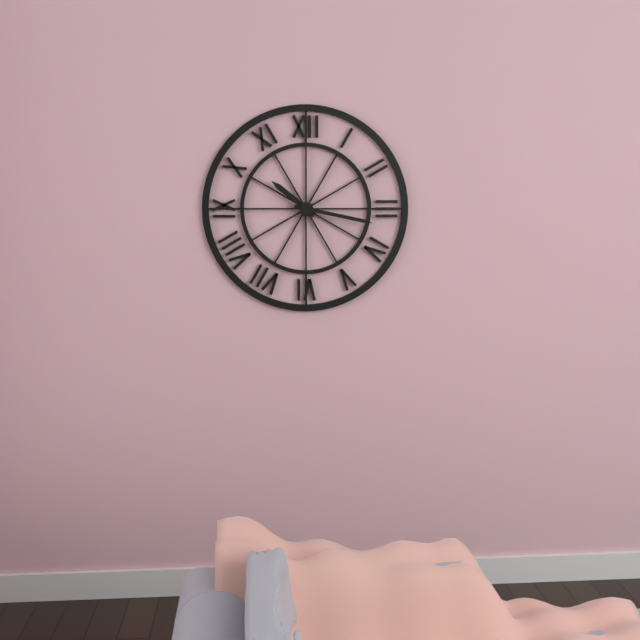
10h17
